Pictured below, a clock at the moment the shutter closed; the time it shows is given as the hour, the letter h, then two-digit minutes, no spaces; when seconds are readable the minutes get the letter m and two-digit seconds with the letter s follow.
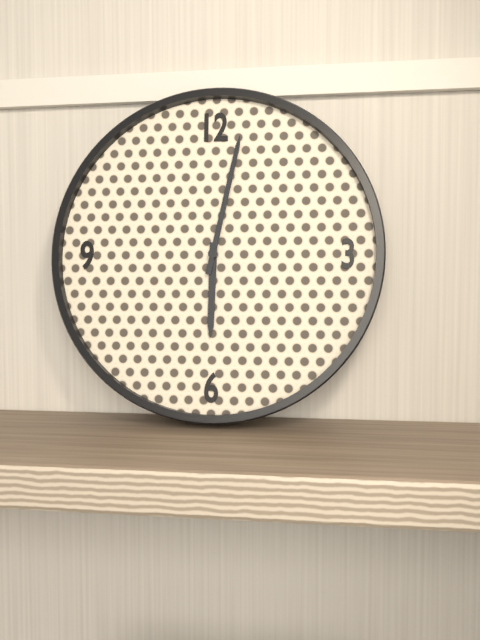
6h02
